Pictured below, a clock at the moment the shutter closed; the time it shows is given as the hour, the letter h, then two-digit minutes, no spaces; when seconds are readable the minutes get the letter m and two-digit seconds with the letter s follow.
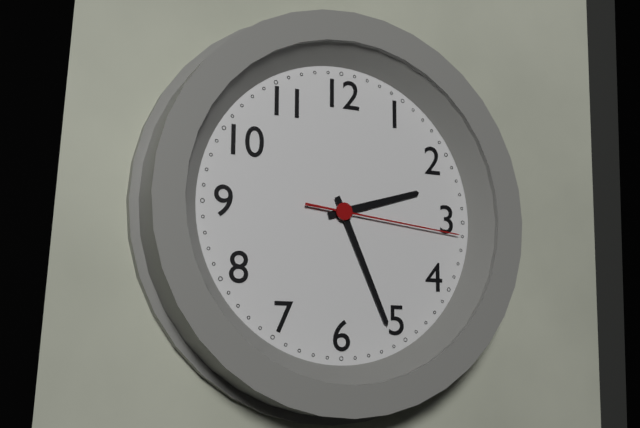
2h26m16s
